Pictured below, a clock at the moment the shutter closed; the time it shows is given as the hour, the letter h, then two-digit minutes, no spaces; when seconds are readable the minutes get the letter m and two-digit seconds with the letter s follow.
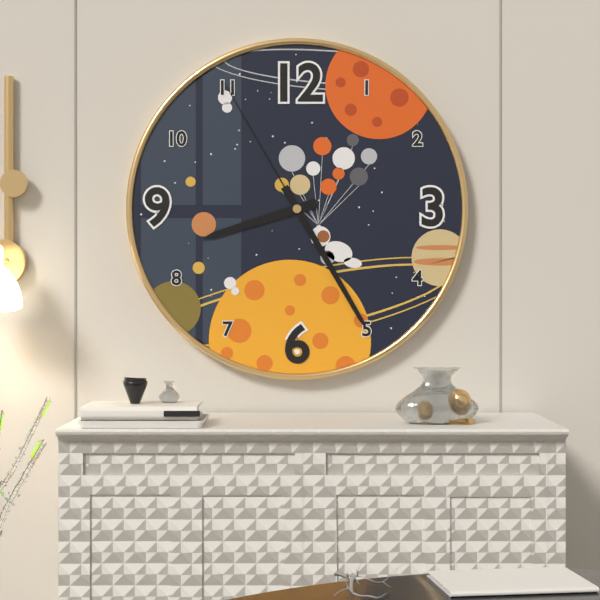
8h25m55s
